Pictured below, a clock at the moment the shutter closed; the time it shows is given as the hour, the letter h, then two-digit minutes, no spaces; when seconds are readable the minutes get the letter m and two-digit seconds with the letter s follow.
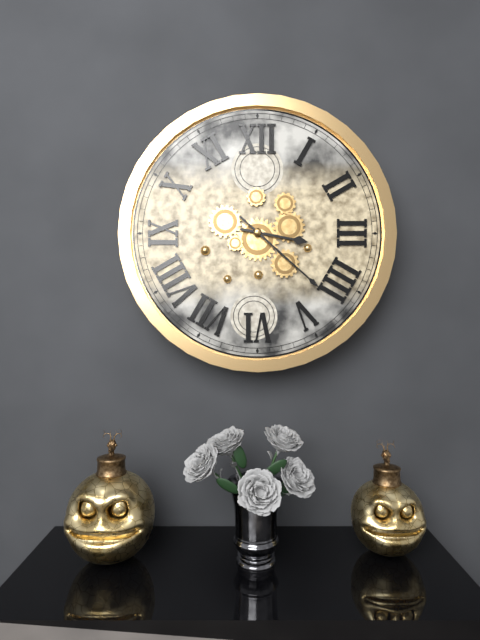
3h22
